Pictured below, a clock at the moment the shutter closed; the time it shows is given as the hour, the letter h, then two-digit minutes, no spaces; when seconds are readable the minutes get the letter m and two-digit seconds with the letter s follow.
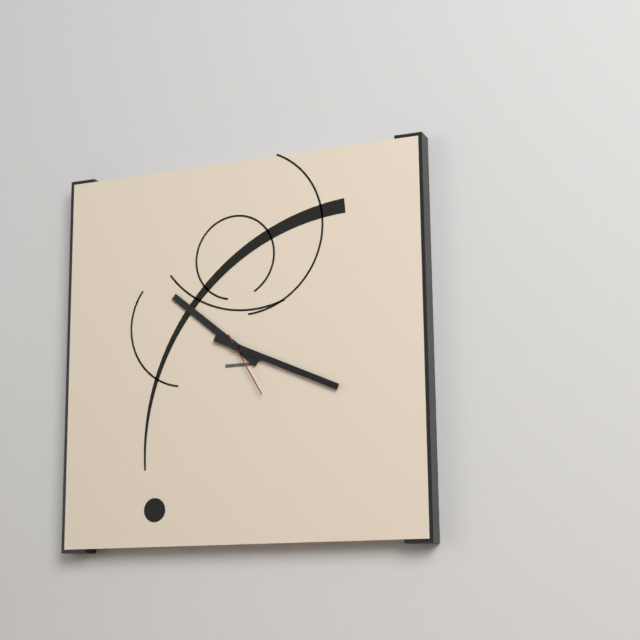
10h19m25s
